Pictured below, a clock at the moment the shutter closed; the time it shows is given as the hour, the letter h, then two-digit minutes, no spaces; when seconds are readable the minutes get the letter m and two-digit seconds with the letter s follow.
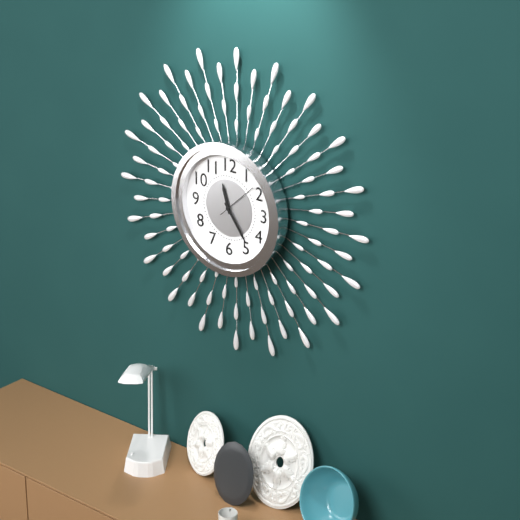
11h24
